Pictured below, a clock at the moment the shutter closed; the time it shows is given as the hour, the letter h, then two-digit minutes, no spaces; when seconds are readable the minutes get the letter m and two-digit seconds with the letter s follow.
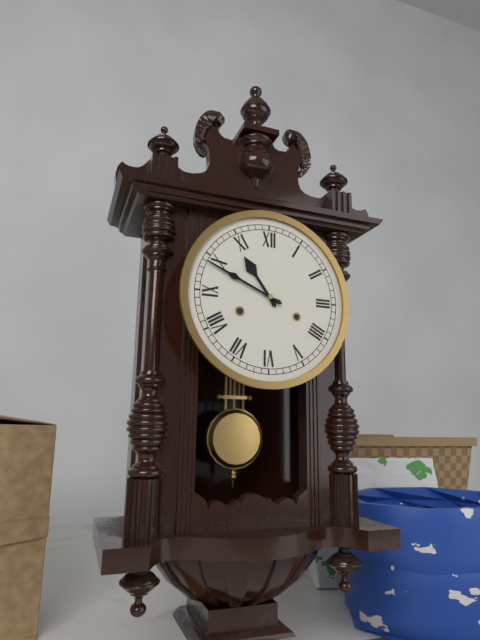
10h49
